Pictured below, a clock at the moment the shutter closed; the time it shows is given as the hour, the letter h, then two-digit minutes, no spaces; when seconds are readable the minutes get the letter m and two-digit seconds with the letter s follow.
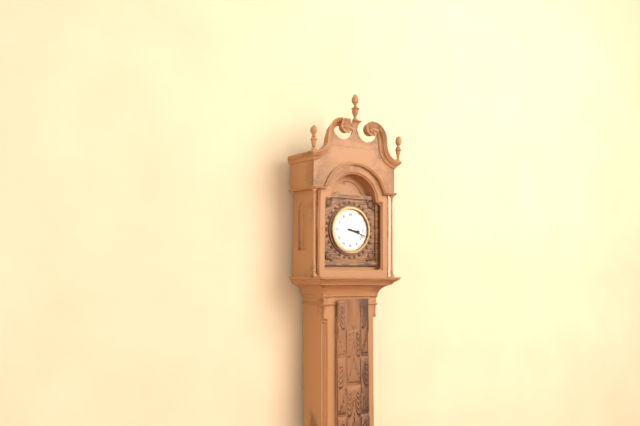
3h18
